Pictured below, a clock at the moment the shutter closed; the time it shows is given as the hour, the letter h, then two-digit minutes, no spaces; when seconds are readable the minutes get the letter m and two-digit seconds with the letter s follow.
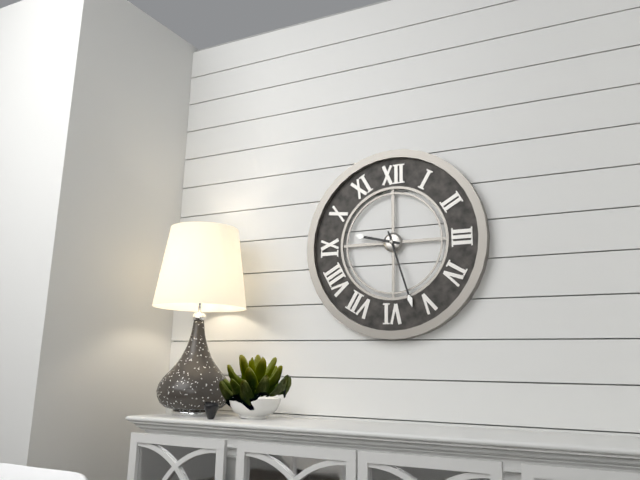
9h27
